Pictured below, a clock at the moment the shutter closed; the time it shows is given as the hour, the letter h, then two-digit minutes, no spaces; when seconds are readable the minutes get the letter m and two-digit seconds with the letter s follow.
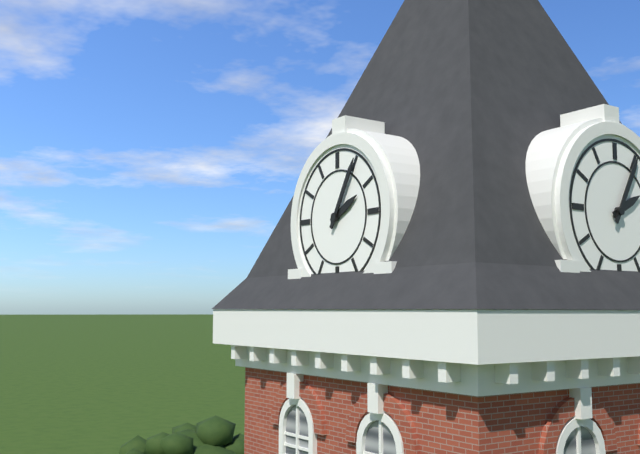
2h05
